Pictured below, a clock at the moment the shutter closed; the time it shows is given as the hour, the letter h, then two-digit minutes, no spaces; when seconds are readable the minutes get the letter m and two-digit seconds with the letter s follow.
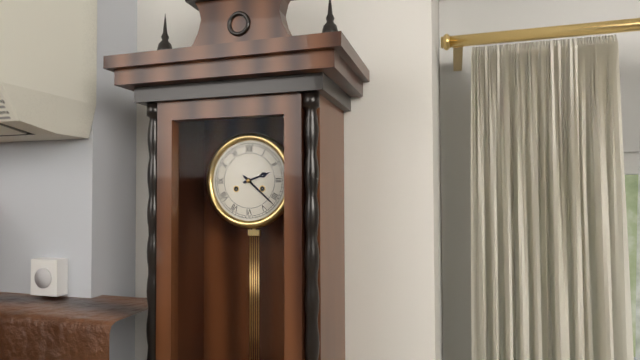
2h22
